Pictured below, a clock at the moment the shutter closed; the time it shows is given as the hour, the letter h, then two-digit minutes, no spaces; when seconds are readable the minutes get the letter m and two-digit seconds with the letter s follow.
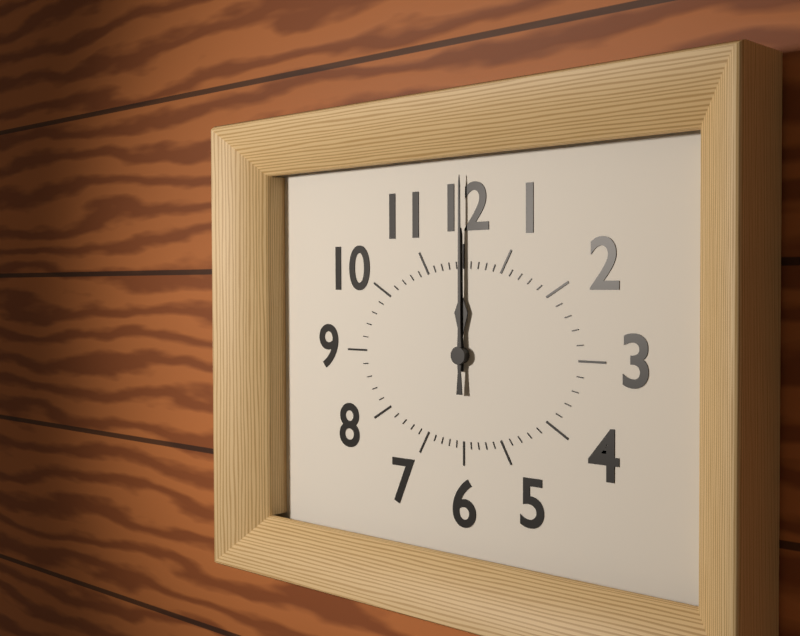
12h00
